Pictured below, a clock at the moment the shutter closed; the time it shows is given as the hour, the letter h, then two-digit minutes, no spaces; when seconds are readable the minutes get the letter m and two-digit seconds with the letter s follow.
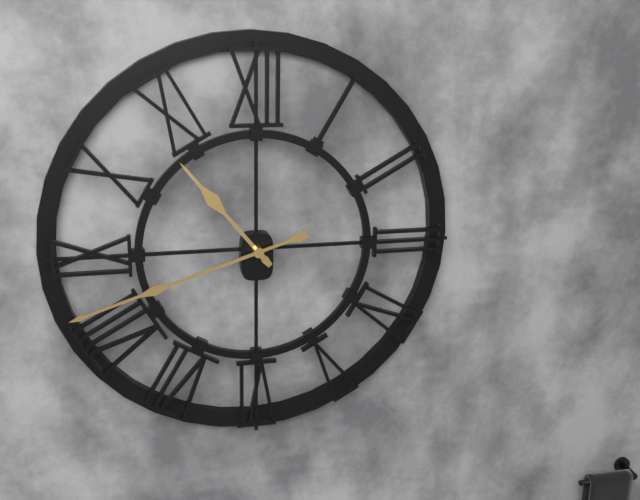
10h42
